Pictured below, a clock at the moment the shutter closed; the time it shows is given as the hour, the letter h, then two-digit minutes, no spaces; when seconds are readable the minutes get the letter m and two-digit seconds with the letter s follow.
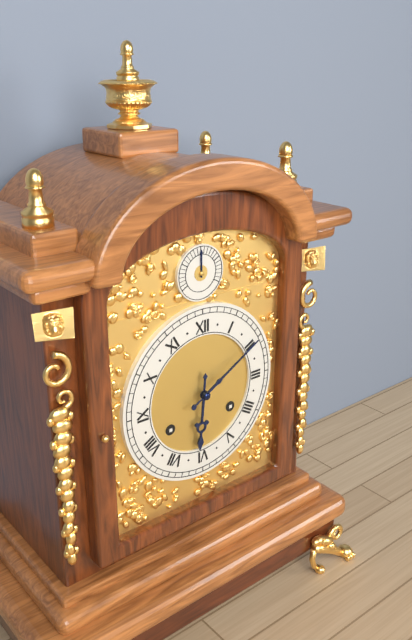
6h10
